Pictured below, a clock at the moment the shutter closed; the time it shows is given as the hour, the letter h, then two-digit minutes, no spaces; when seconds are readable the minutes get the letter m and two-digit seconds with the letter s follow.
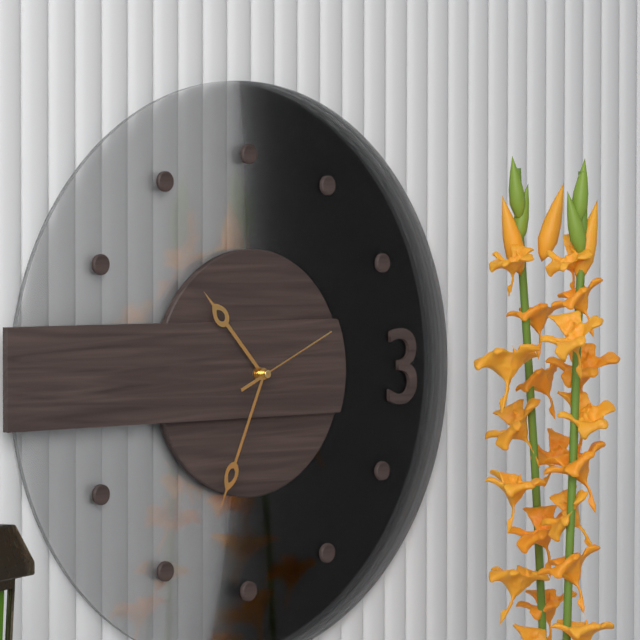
10h34m11s
